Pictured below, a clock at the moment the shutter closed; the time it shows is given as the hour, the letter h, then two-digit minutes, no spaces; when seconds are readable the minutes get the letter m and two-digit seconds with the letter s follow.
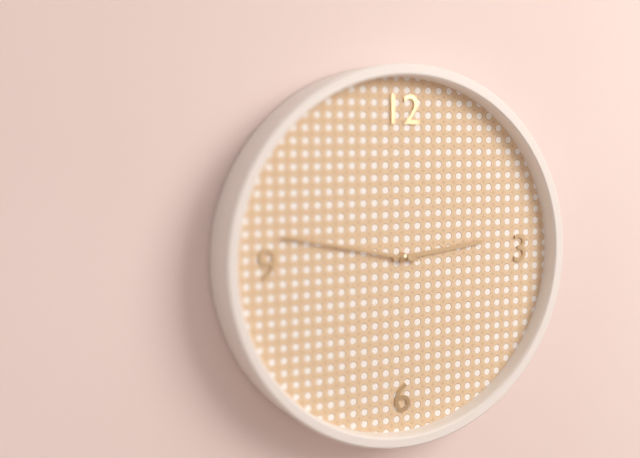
2h47
